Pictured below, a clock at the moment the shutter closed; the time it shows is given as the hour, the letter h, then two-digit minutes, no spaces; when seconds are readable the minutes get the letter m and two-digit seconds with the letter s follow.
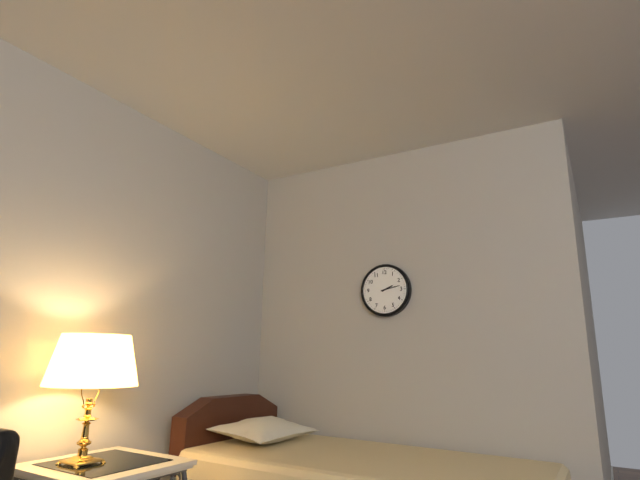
2h13
